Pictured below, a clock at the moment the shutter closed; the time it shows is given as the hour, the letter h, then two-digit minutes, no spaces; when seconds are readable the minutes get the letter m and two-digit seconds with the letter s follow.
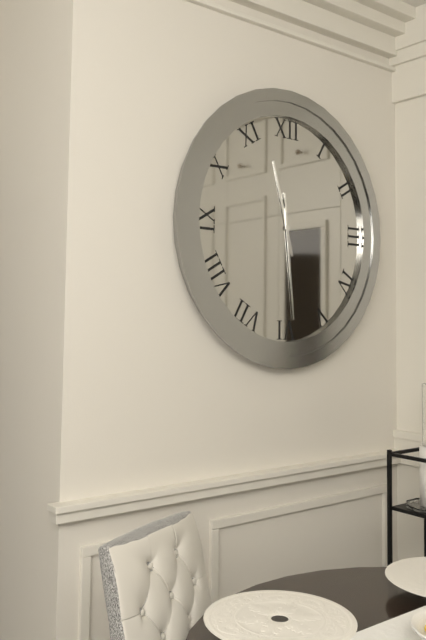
11h29
